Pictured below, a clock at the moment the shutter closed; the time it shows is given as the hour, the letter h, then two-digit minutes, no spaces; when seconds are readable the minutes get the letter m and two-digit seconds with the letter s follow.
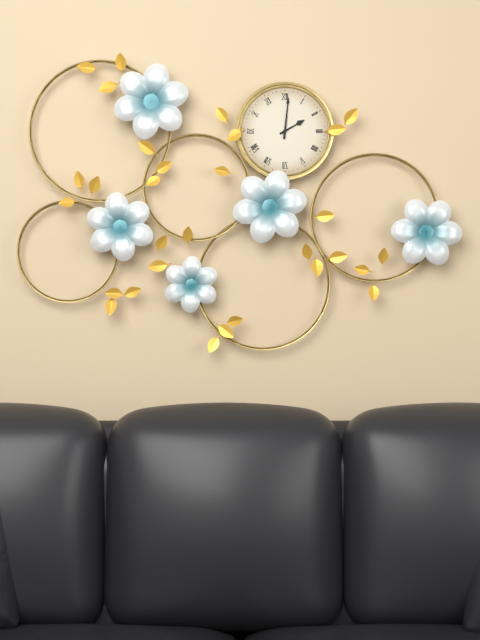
2h01
